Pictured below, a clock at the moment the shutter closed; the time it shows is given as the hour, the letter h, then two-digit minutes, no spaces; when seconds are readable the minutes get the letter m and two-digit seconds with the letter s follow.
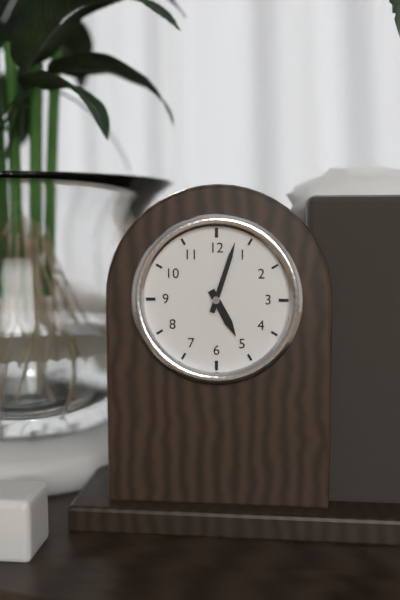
5h03
